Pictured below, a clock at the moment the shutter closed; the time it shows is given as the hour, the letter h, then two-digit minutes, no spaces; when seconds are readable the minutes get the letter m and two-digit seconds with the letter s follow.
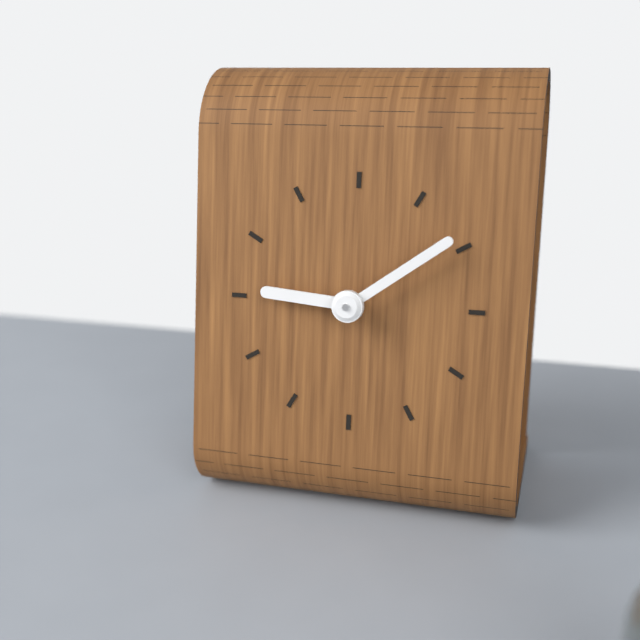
9h09
